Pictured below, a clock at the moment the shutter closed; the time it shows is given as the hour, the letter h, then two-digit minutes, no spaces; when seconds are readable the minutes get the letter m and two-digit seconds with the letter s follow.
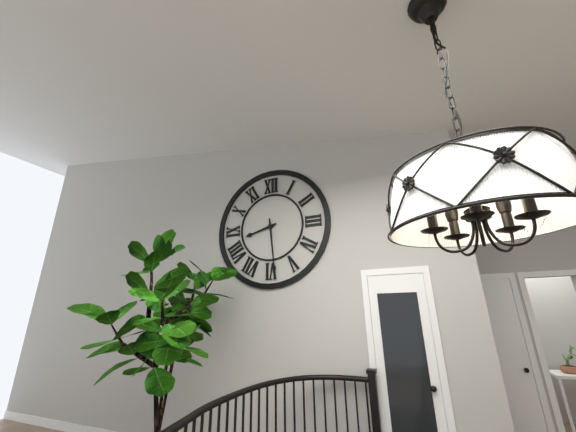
8h29
